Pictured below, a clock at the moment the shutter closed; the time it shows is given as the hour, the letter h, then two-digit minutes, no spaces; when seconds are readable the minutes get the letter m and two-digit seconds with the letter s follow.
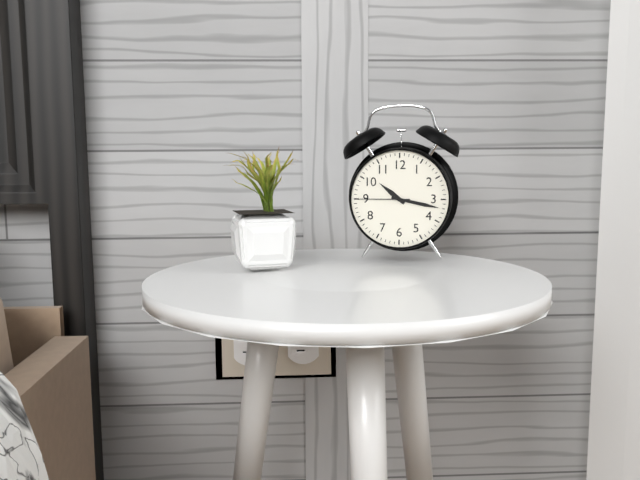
10h17m45s
